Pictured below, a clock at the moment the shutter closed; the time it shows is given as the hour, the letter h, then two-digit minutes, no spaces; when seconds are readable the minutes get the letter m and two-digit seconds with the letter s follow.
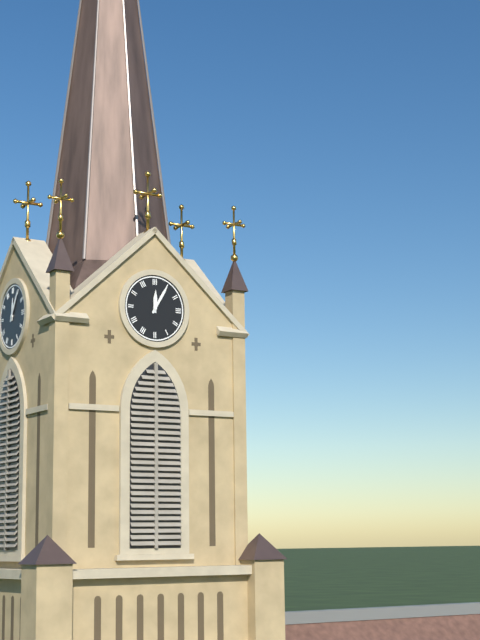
12h05
